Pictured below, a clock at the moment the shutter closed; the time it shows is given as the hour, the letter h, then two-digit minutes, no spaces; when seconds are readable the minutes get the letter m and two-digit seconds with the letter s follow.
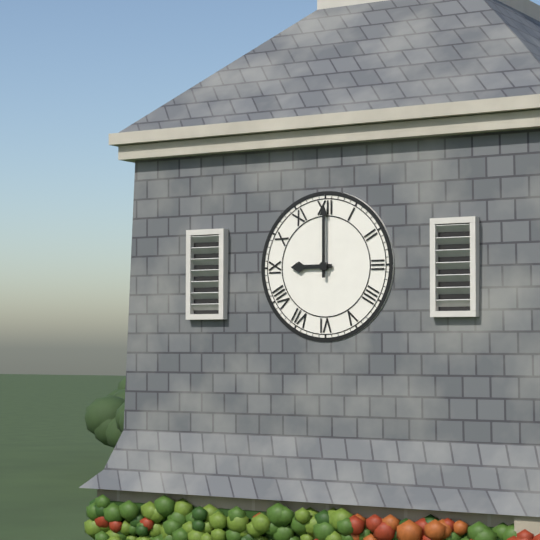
9h00
